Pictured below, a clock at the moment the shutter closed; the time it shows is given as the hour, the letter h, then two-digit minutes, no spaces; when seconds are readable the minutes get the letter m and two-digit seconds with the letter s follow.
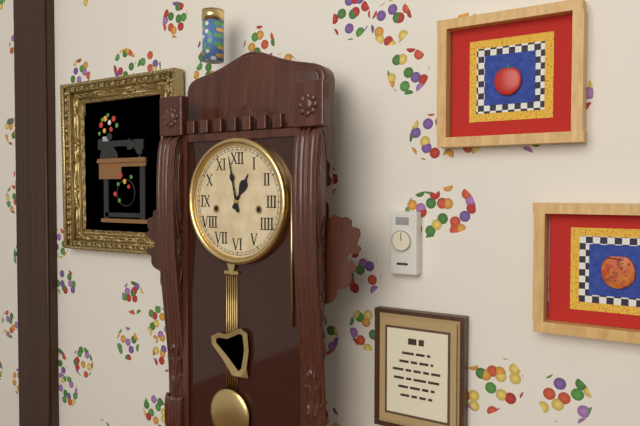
12h58
